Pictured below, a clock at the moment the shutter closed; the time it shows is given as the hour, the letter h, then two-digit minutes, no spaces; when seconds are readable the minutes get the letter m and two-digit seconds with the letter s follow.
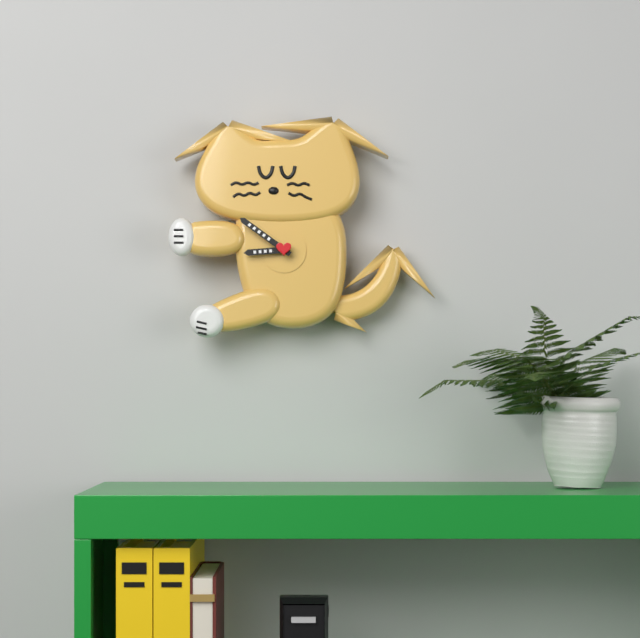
8h51
